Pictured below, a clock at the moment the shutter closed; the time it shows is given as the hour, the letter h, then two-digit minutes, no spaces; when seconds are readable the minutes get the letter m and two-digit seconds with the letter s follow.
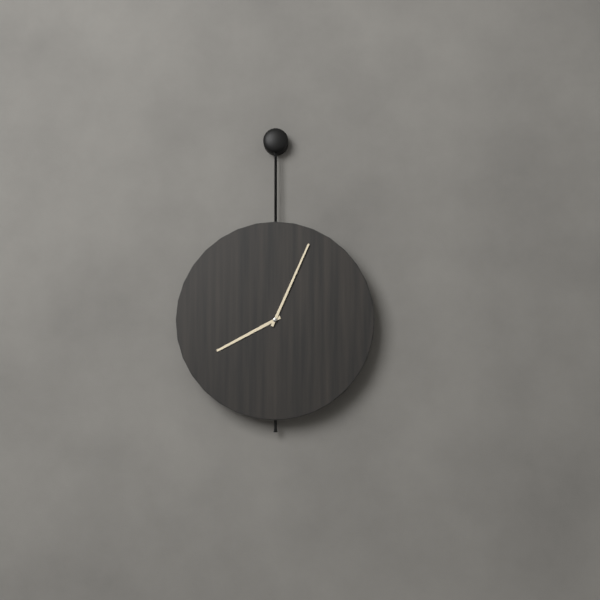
8h04
